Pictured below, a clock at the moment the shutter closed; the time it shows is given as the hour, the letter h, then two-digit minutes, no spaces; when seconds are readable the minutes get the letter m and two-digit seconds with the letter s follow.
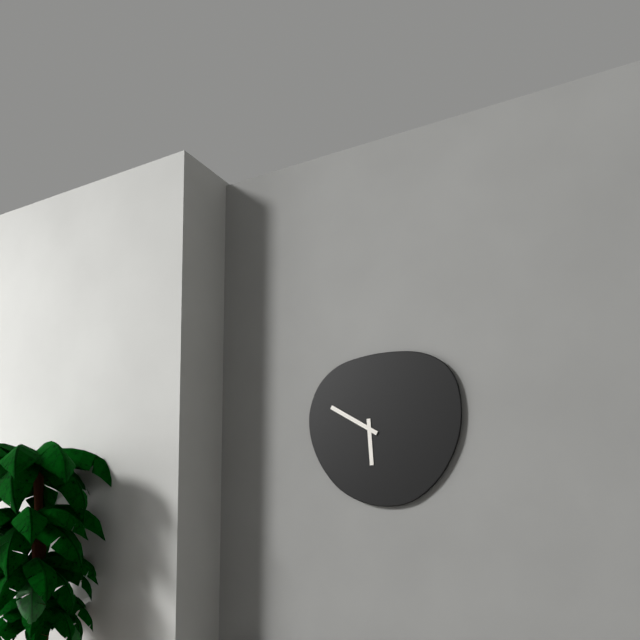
5h50
